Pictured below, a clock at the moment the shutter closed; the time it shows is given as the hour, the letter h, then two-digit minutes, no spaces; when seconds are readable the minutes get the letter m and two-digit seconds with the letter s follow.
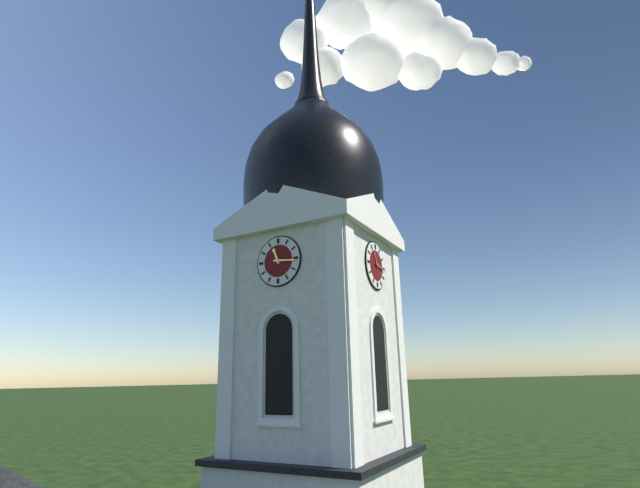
11h16
